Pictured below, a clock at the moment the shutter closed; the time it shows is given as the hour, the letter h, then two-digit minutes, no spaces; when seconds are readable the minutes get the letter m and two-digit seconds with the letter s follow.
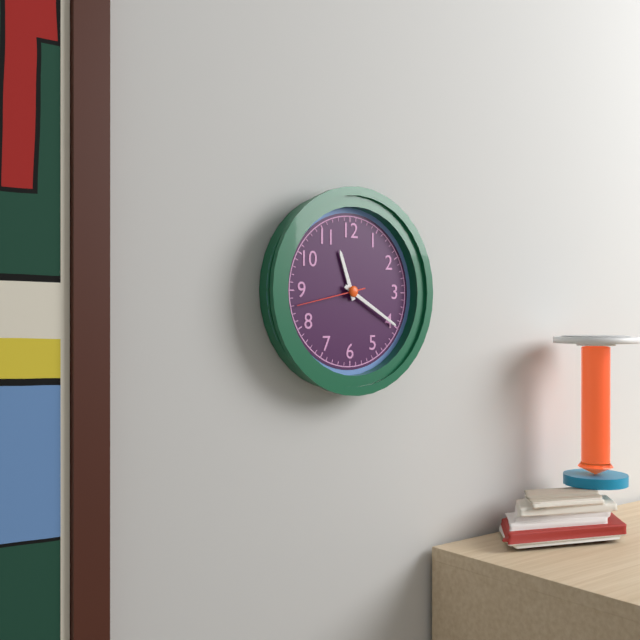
11h20m43s
